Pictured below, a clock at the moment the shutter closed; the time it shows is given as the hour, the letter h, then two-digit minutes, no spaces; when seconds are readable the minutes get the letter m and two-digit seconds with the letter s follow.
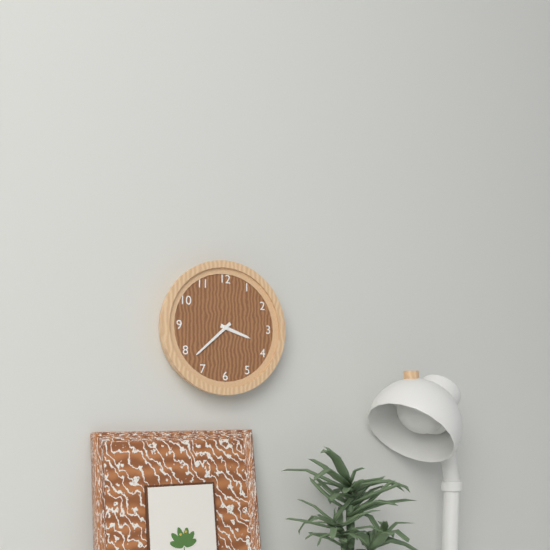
3h38
